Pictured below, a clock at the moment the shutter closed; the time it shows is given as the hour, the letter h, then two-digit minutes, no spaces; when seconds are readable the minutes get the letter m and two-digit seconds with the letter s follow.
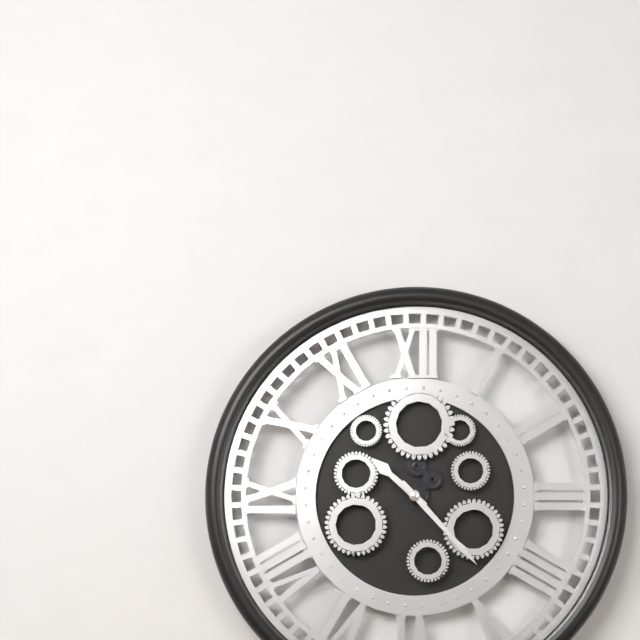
10h23
